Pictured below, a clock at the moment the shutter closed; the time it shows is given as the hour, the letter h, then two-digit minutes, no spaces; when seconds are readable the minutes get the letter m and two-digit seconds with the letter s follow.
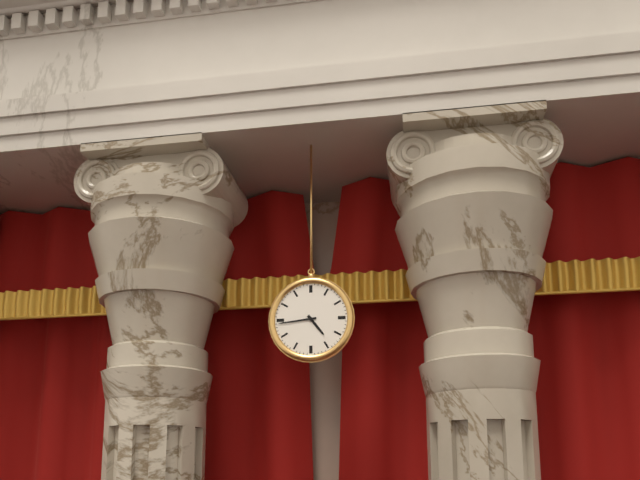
4h44
